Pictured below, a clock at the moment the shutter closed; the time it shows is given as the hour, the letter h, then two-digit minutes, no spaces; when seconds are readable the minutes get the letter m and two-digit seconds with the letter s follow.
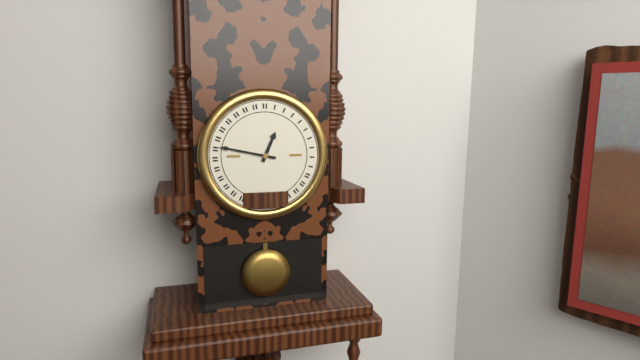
12h47
